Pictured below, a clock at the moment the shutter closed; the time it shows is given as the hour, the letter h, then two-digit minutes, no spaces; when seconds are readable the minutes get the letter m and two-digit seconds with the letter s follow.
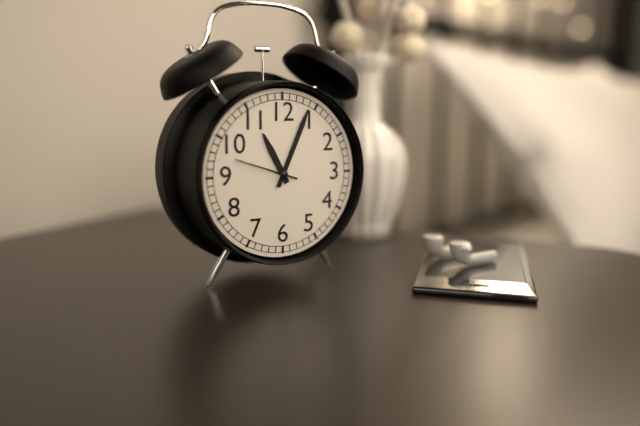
11h04m48s
